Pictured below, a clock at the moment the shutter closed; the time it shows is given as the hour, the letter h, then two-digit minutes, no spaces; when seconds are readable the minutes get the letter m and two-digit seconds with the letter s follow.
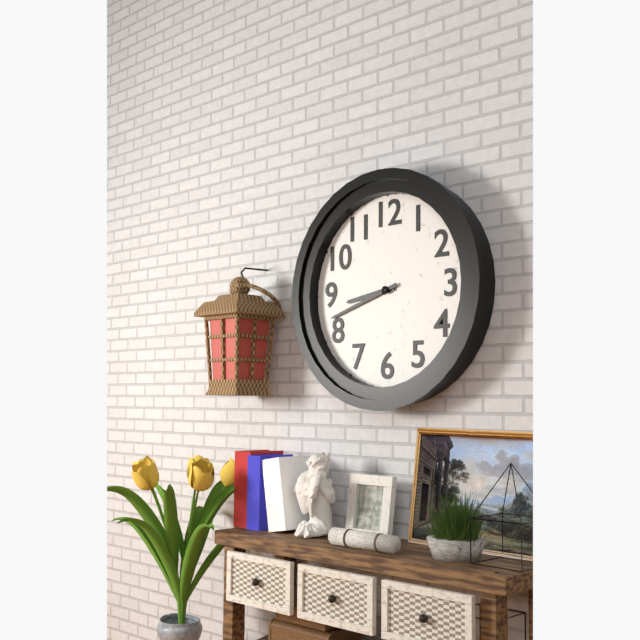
8h42
